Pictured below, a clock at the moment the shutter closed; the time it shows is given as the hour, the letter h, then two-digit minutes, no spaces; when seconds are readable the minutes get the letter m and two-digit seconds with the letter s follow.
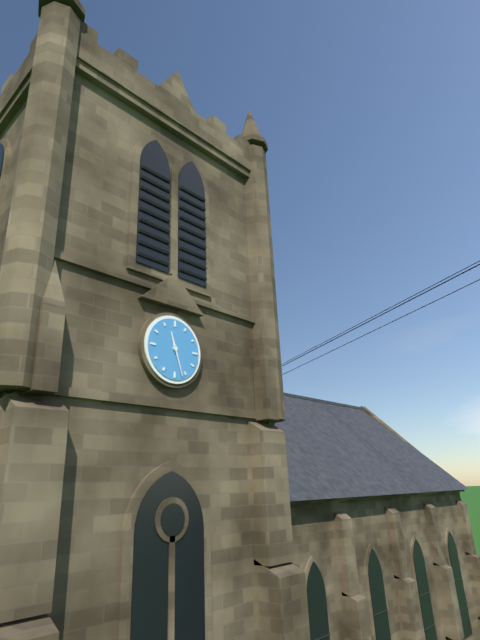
11h27
